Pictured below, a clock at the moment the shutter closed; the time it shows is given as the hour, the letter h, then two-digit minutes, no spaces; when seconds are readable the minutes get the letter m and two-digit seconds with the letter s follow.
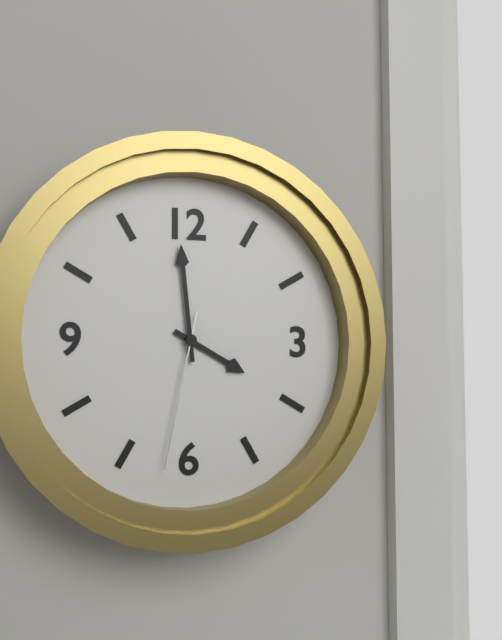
3h59m32s
